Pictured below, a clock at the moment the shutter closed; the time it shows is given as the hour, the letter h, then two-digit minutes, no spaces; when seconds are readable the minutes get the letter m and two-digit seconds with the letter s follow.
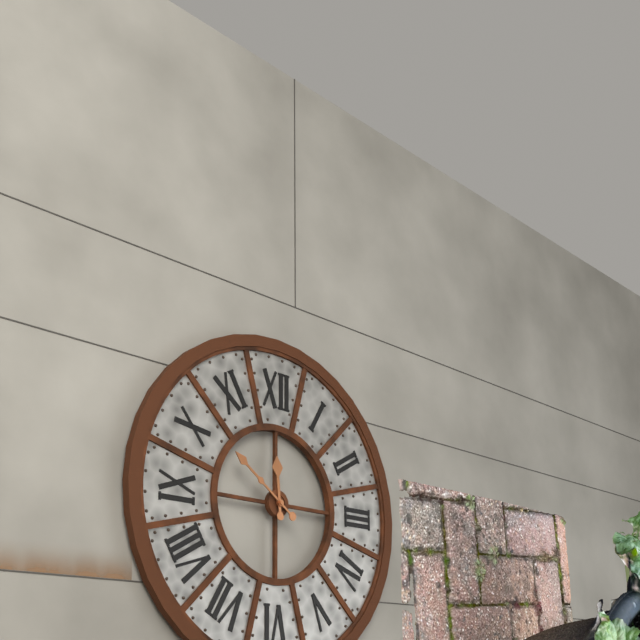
11h51
